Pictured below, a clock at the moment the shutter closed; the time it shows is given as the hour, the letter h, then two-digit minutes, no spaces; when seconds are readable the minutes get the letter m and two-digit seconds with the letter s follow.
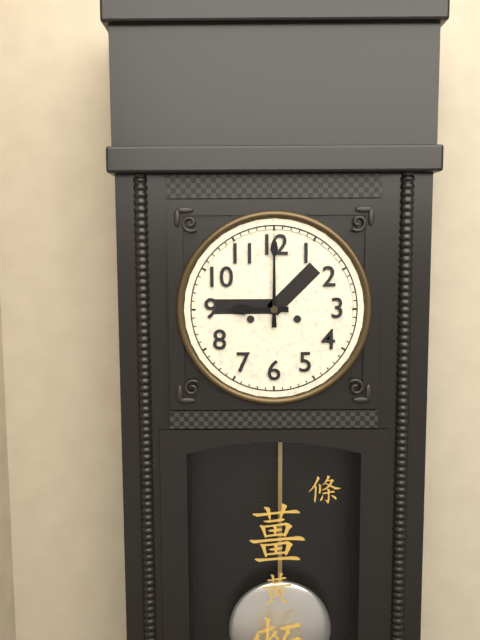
9h00
